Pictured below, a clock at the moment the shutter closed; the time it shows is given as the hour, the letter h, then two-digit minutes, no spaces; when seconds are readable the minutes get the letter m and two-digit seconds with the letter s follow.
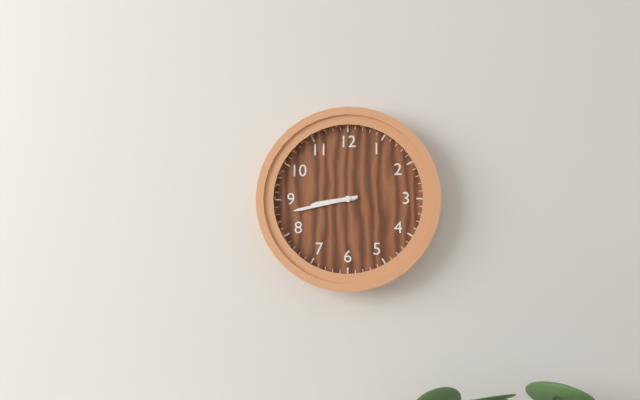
8h43
